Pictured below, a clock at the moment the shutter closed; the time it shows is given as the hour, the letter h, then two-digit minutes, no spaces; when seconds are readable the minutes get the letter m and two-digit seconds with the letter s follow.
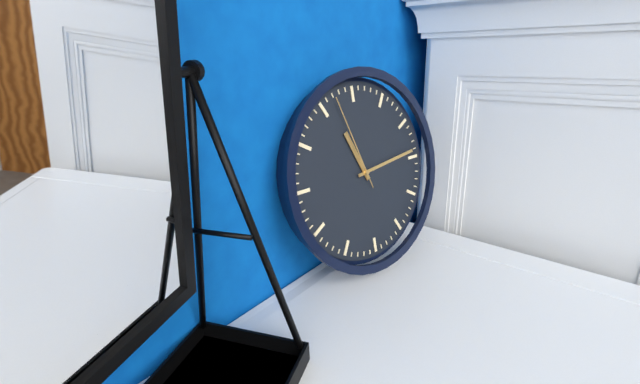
11h14m57s
